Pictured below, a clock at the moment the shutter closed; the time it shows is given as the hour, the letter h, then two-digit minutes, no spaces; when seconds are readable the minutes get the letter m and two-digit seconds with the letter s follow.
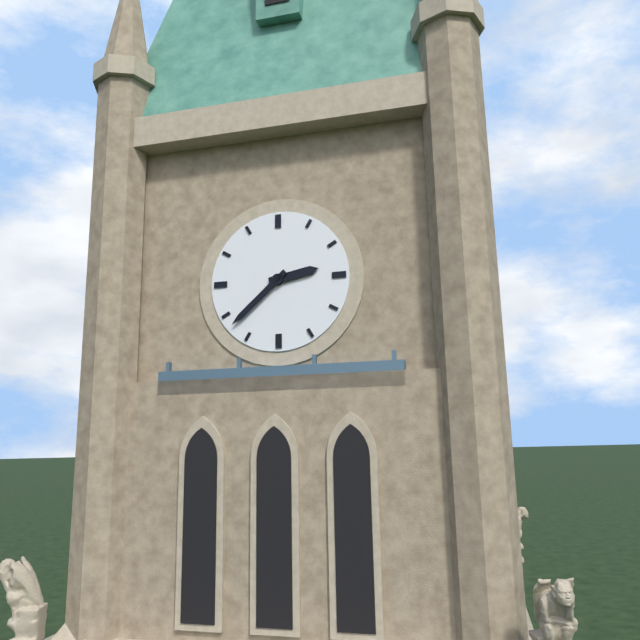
2h38
